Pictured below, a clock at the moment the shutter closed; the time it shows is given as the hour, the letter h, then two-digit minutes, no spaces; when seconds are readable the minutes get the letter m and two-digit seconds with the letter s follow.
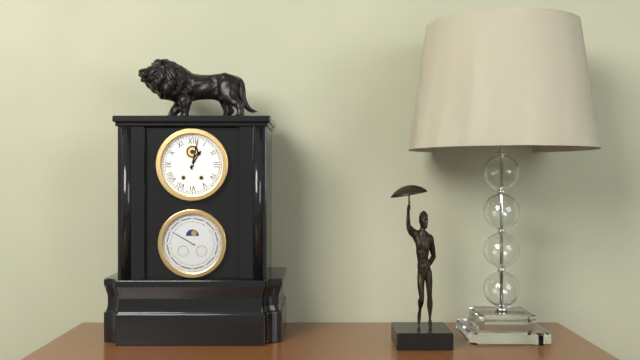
1h02
